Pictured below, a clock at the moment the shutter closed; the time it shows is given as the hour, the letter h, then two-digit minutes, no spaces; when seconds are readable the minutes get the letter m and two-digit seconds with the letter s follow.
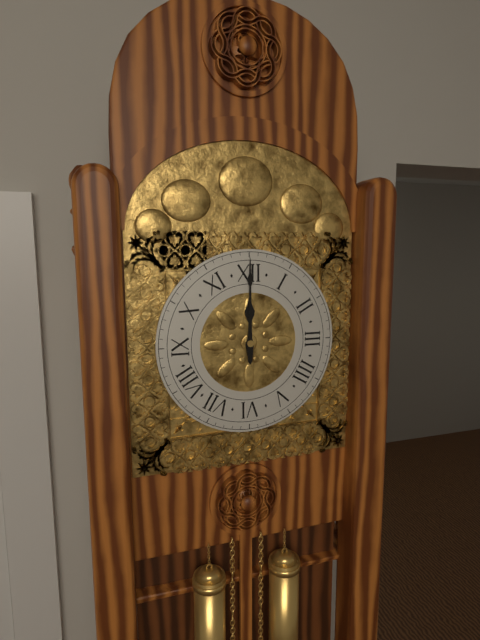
12h00
